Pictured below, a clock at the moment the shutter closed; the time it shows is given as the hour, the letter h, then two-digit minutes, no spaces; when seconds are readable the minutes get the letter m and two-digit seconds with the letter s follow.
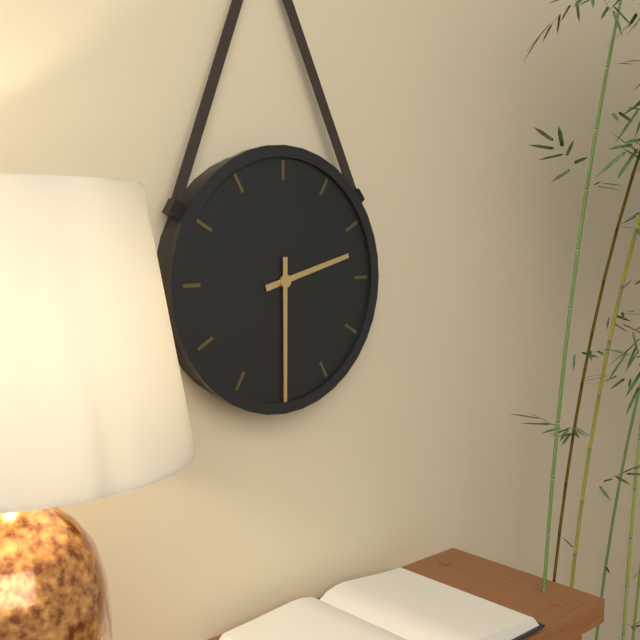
2h30
